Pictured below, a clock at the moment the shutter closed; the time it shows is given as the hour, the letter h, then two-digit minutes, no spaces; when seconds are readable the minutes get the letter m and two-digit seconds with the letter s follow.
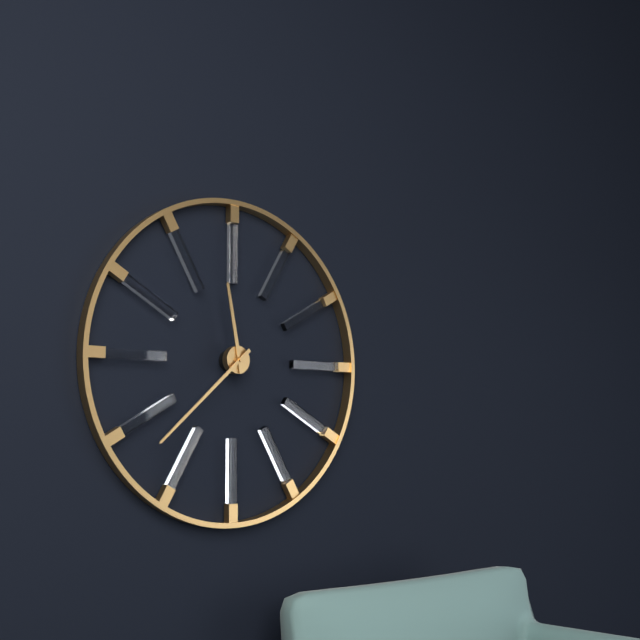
11h38
